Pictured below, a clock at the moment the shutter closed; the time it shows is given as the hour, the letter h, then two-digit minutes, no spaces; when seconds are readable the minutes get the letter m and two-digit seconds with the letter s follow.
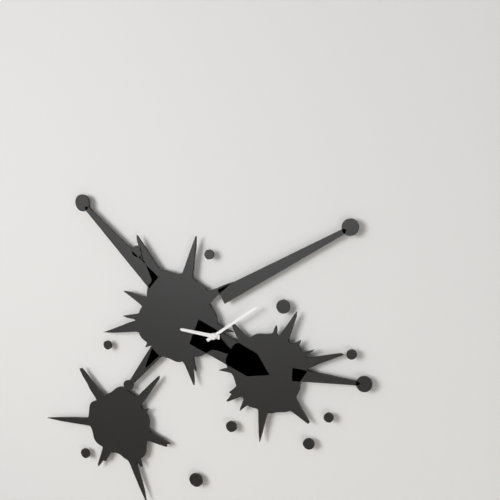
9h09
